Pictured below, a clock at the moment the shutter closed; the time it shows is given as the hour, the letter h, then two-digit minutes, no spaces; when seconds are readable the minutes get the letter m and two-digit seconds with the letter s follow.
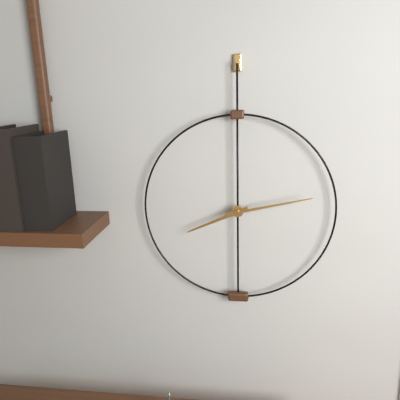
8h13
